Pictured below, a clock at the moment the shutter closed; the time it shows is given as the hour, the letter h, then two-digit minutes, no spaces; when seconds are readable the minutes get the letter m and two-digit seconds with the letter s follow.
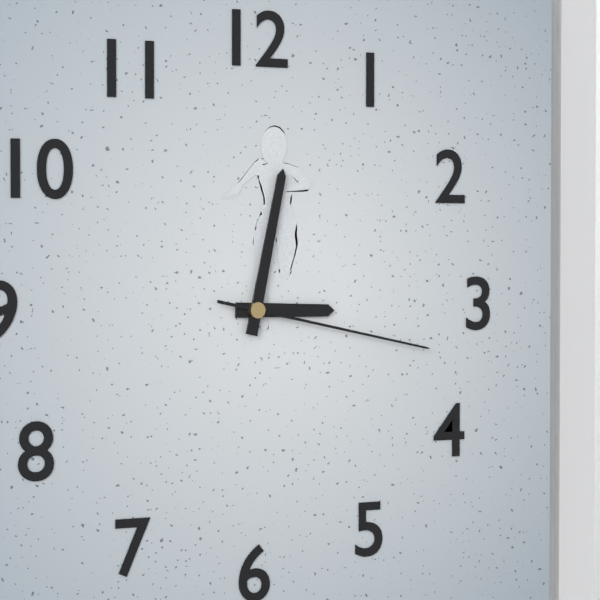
3h02m17s
